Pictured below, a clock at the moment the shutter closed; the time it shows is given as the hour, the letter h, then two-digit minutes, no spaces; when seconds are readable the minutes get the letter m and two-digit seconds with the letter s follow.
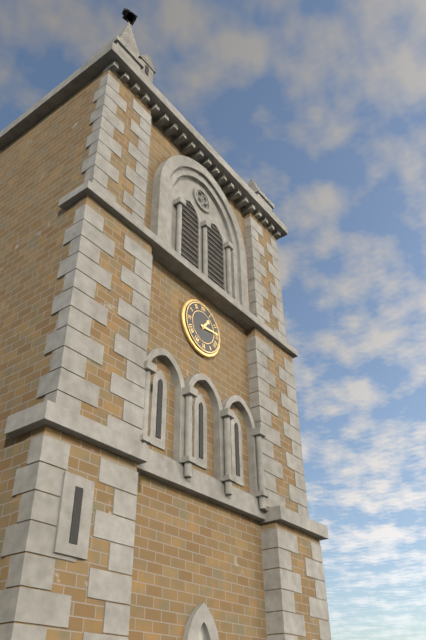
1h14
